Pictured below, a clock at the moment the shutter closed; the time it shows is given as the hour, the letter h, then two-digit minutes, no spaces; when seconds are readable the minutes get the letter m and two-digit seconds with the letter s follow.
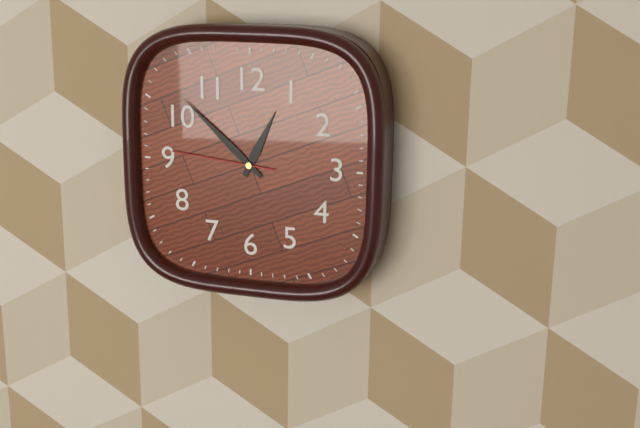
12h52m46s
